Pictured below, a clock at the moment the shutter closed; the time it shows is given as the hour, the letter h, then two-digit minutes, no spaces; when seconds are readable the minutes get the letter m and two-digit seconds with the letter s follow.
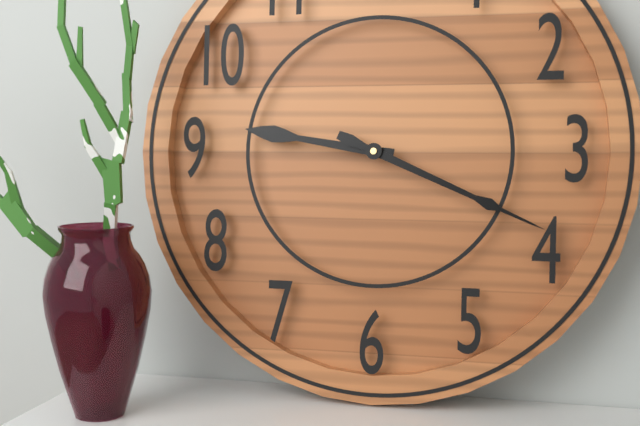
9h19
